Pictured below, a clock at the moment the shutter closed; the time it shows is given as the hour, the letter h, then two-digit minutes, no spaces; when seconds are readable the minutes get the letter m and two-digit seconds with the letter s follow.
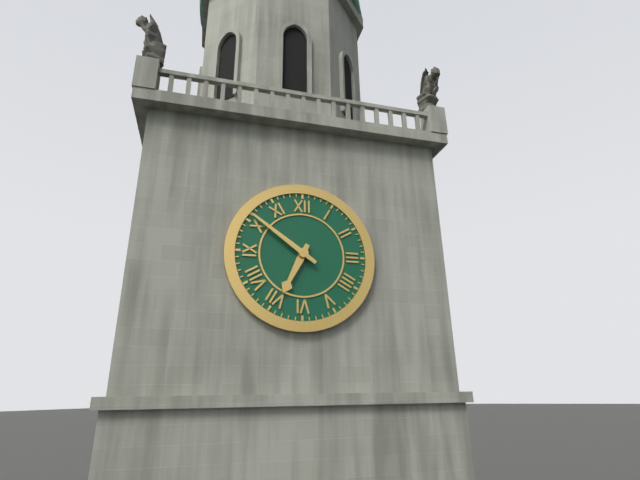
6h51
